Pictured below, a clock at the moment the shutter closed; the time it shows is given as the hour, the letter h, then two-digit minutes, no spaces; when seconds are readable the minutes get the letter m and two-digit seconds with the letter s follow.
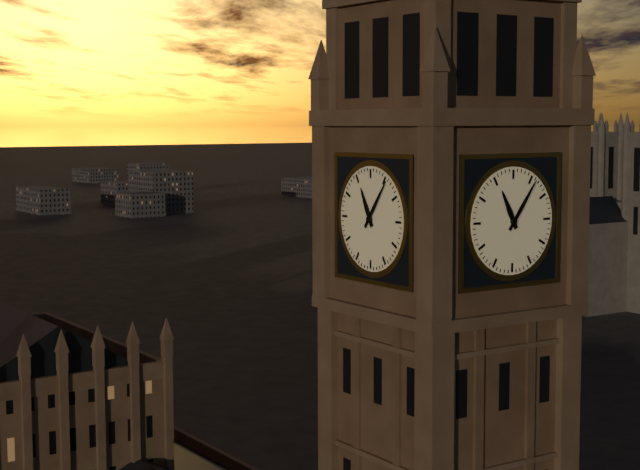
11h06
